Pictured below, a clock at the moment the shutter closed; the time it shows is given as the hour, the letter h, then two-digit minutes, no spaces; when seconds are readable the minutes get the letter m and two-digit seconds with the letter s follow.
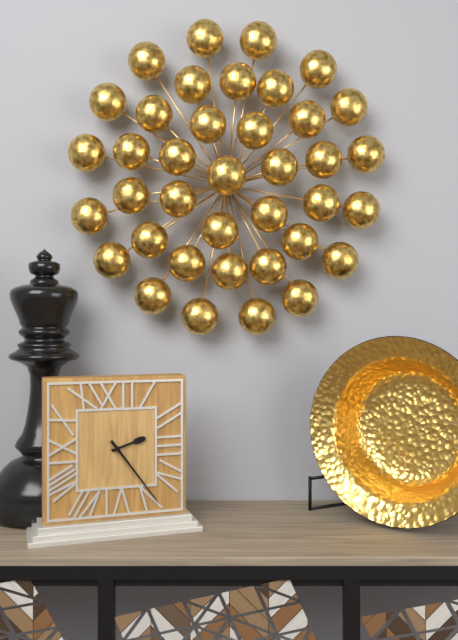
2h24
